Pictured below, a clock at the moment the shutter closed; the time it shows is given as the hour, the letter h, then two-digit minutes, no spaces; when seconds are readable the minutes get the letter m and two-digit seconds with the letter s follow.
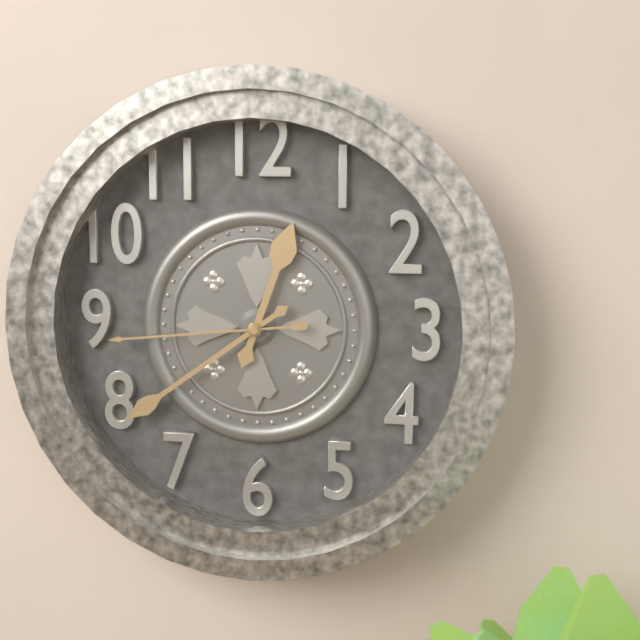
12h39m44s
